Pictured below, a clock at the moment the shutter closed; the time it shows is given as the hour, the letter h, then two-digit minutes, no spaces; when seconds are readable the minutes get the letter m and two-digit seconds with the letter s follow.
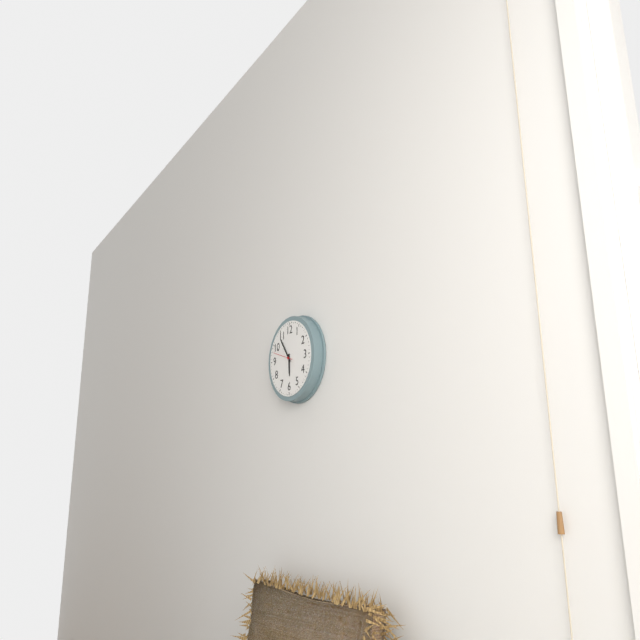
5h54
